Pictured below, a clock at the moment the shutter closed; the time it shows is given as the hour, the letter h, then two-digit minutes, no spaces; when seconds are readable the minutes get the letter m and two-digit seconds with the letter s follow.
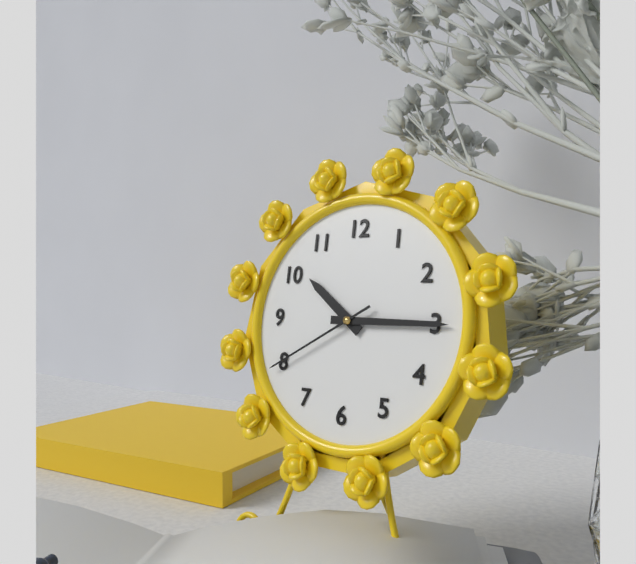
10h15m40s
